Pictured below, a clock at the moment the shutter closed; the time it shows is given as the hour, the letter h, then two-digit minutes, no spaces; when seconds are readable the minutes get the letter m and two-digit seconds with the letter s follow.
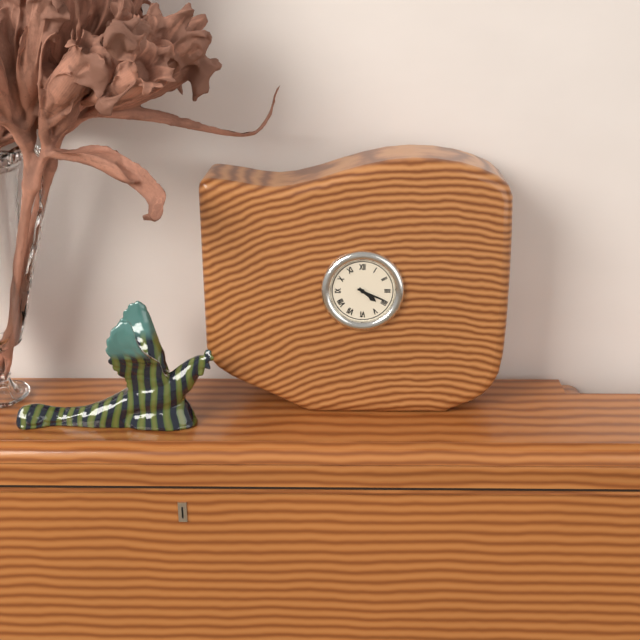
4h19
